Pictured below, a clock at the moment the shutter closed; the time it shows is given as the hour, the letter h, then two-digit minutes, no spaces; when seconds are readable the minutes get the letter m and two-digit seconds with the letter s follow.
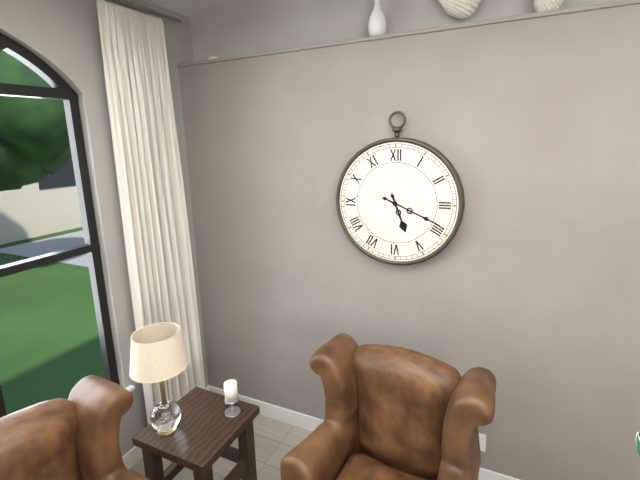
5h19
